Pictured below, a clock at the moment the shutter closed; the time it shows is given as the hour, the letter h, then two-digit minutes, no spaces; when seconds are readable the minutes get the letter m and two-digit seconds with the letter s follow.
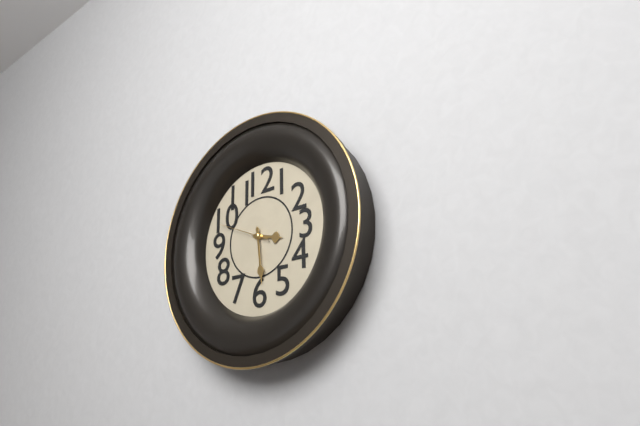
3h29
